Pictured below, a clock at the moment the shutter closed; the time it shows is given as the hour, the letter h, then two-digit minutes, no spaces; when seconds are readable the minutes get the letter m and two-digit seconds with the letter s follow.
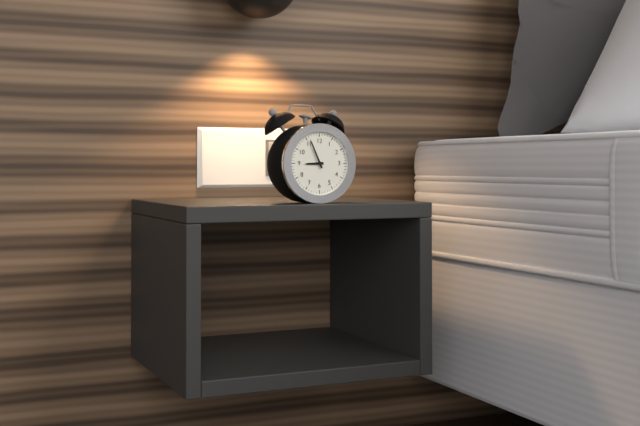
8h56
